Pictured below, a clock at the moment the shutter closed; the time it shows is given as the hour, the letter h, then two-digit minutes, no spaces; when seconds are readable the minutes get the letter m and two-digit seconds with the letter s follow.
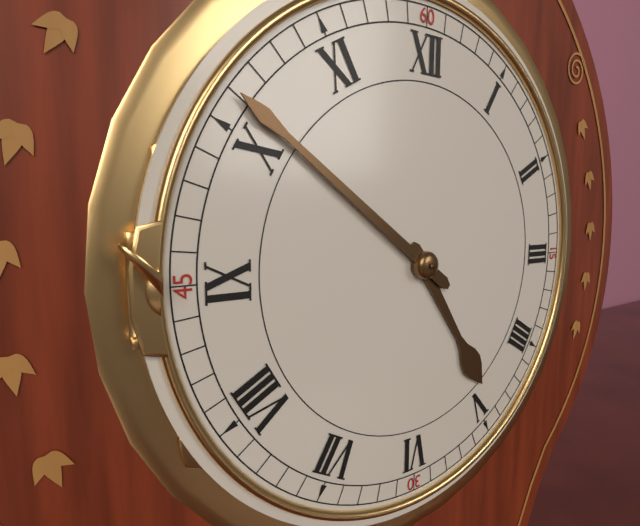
4h51
